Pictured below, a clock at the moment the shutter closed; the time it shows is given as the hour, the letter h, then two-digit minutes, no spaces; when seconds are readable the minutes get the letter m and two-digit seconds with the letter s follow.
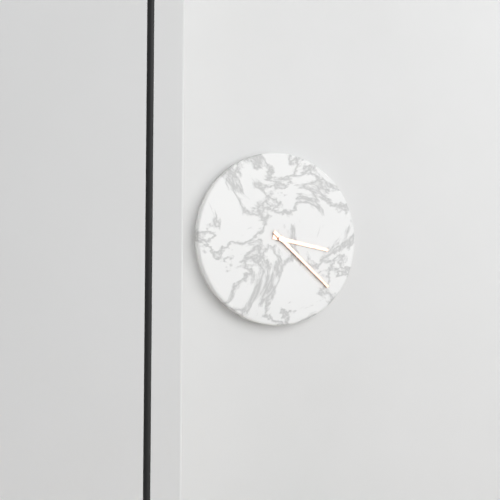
3h22
